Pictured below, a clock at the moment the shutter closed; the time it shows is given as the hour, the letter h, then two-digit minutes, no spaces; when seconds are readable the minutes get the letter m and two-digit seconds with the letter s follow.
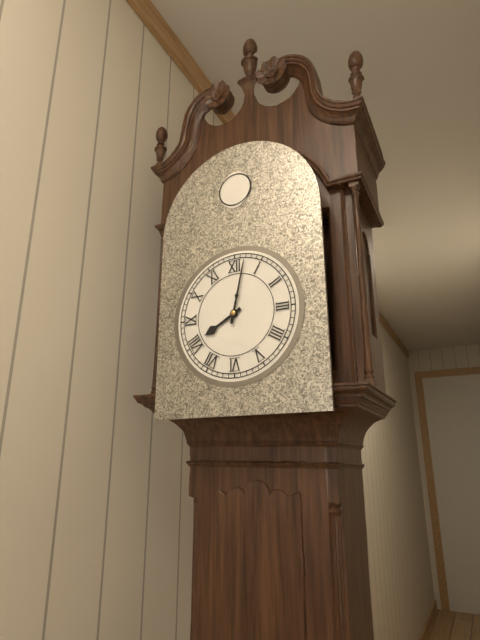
8h02
